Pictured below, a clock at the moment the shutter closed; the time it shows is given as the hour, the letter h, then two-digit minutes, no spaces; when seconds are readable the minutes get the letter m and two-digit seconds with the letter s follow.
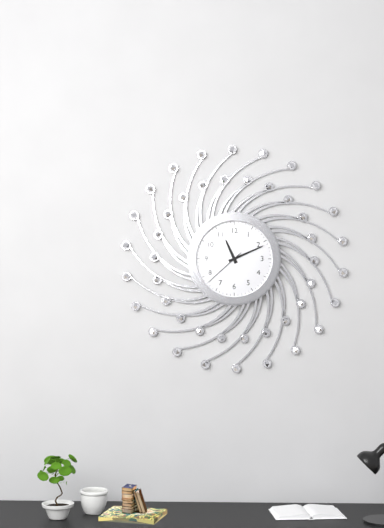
11h11
